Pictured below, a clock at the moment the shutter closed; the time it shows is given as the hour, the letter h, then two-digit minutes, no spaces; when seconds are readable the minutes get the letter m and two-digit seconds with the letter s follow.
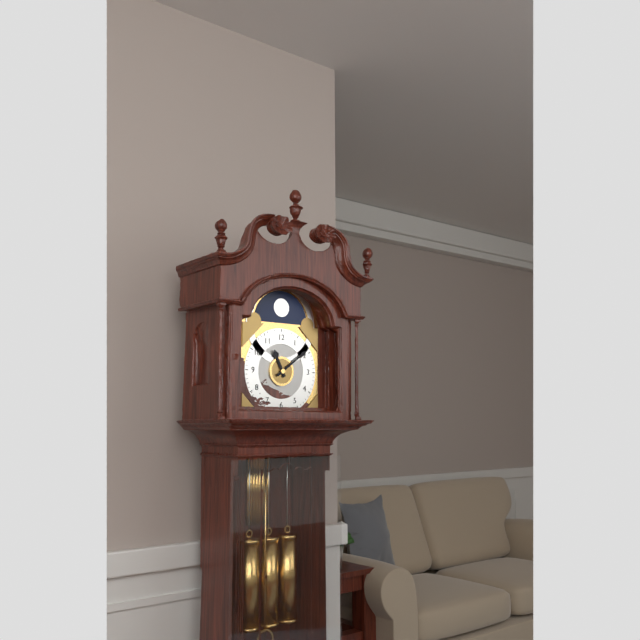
11h09
